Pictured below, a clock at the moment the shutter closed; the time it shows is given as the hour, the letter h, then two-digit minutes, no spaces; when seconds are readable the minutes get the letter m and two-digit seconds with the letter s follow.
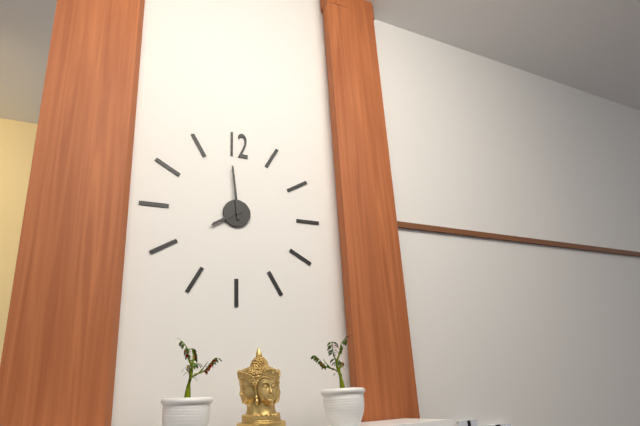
7h59
